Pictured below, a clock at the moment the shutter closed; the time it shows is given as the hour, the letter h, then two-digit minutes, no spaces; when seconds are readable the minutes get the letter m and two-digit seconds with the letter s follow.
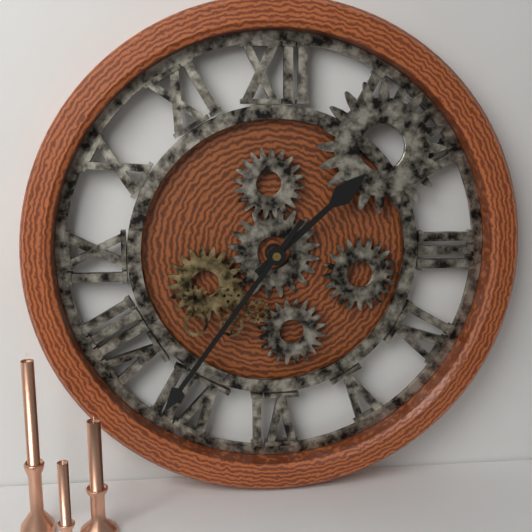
1h36
